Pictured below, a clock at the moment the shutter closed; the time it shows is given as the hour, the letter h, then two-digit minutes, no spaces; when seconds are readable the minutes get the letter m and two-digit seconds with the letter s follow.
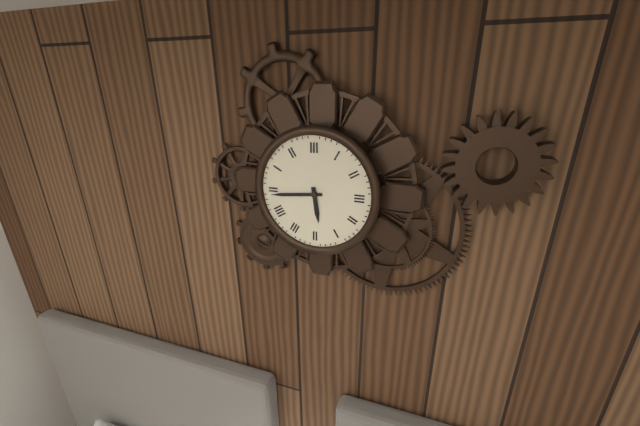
5h44
